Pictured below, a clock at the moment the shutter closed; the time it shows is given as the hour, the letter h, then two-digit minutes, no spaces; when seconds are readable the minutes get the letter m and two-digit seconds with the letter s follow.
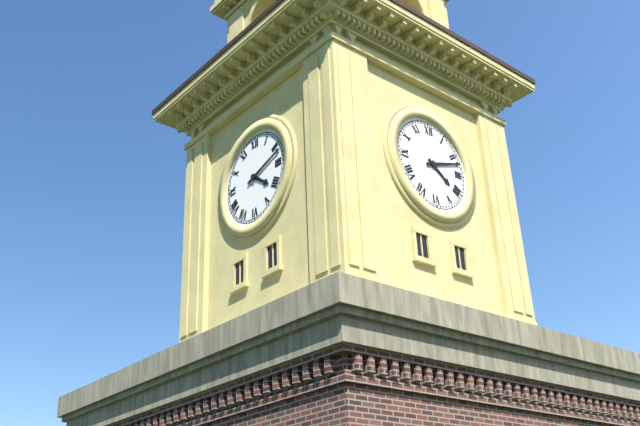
4h12
